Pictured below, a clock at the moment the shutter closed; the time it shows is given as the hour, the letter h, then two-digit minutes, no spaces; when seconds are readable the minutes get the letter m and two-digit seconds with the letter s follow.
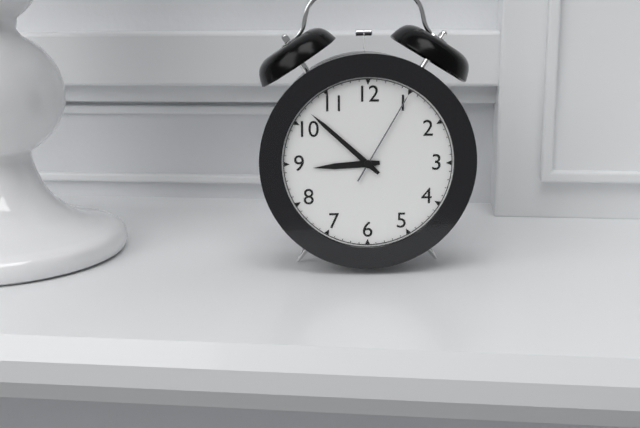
8h52m05s
